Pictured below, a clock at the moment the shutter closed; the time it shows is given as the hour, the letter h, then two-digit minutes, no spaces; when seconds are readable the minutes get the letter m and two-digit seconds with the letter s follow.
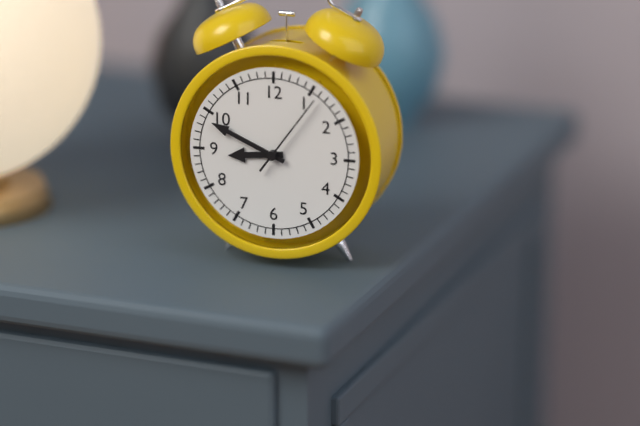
8h49m06s
